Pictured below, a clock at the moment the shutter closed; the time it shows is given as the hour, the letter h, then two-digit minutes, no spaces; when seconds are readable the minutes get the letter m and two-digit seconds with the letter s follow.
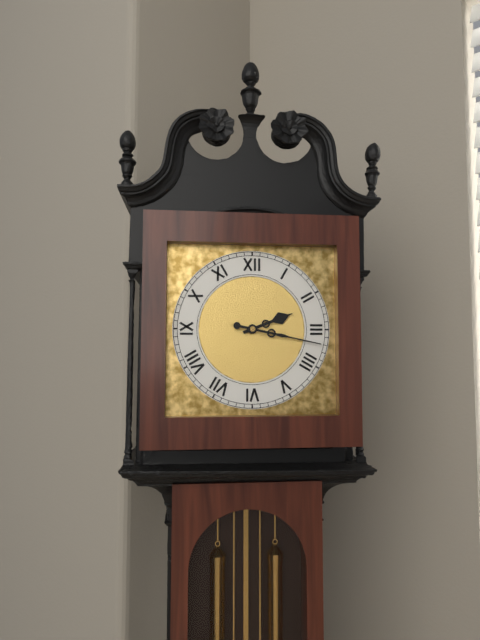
2h17
